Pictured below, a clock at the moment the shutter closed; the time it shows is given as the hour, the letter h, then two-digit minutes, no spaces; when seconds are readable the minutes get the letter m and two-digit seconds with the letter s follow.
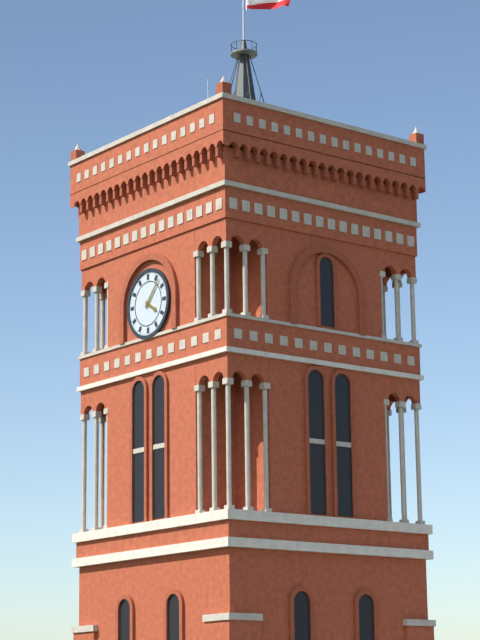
4h07
